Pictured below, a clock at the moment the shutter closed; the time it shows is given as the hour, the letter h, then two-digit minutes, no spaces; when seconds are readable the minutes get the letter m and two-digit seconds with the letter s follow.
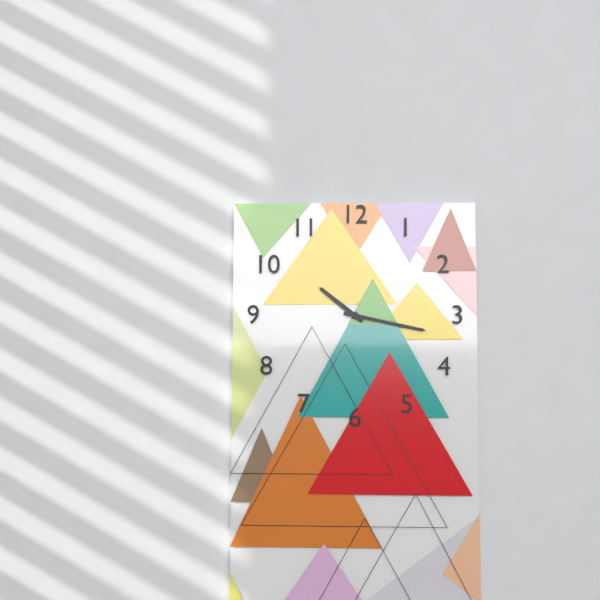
10h17
